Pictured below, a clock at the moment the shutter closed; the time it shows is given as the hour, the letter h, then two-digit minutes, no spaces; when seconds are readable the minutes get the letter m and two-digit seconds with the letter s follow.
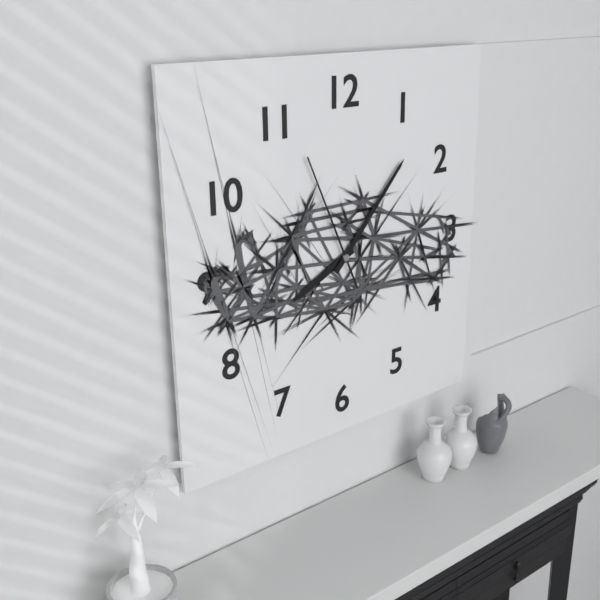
8h07m56s
